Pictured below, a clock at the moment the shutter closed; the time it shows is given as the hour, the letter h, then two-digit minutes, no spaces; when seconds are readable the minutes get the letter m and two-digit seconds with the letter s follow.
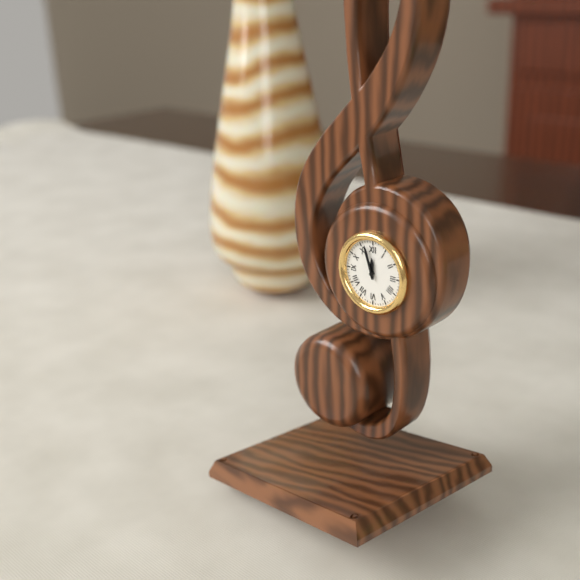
11h57
